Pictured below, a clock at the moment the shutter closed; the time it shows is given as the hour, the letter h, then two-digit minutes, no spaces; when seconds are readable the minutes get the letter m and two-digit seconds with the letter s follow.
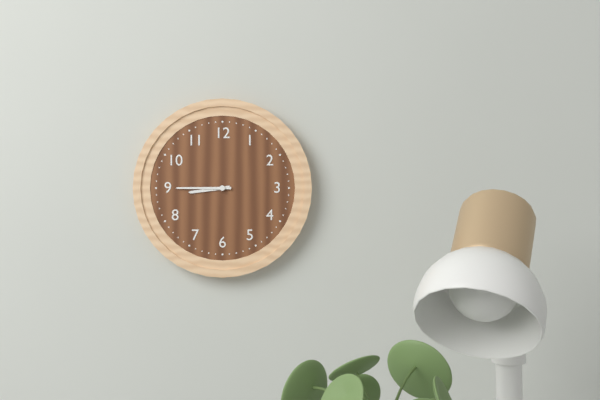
8h45
